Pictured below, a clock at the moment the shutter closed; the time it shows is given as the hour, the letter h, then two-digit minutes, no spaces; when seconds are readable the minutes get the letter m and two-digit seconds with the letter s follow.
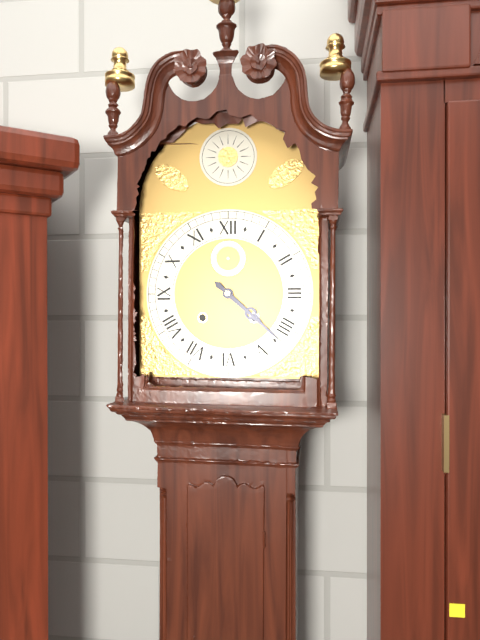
4h22
